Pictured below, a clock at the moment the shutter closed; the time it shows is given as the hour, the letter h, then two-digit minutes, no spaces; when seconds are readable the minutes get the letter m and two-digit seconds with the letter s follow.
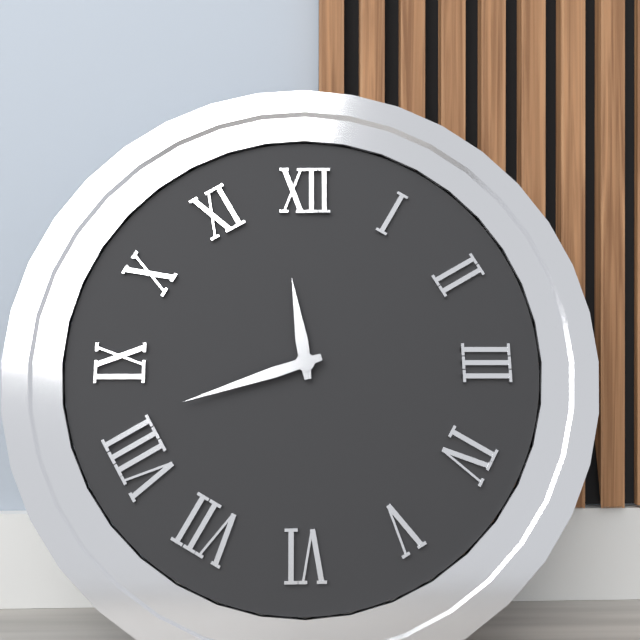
11h42
